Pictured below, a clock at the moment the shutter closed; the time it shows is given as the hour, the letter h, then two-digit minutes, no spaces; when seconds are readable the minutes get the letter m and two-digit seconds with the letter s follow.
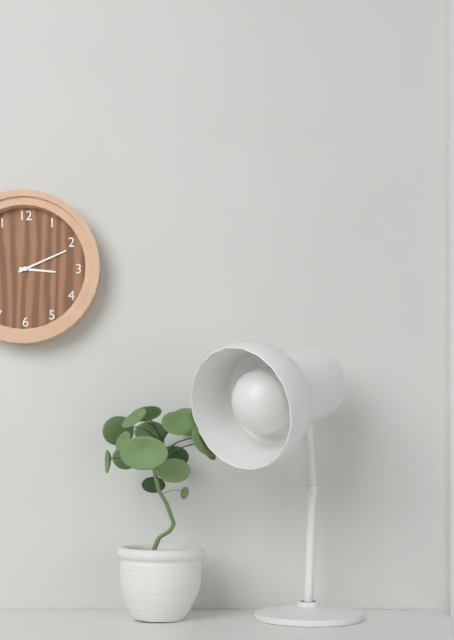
3h11
